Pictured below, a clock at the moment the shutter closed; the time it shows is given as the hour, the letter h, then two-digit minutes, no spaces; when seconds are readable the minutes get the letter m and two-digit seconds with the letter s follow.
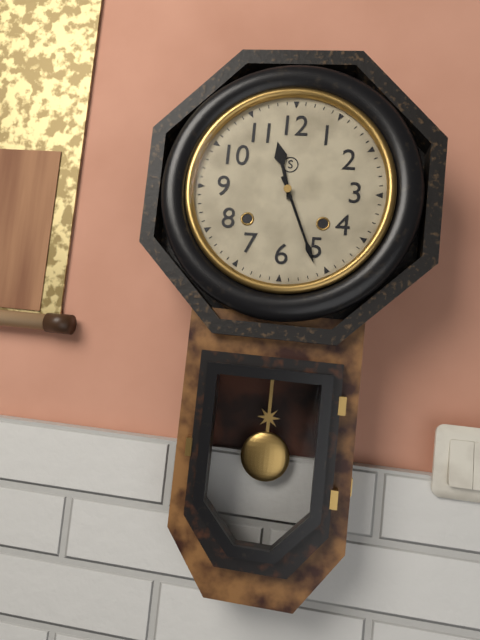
11h26
